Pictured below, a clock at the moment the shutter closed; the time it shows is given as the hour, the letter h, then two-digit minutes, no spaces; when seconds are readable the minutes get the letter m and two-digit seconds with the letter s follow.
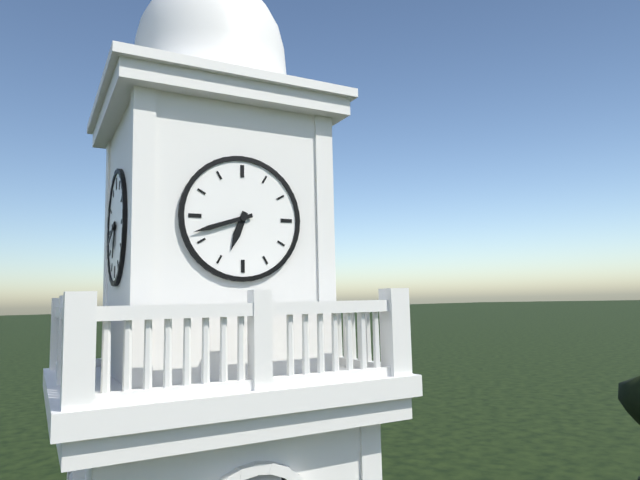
6h42
